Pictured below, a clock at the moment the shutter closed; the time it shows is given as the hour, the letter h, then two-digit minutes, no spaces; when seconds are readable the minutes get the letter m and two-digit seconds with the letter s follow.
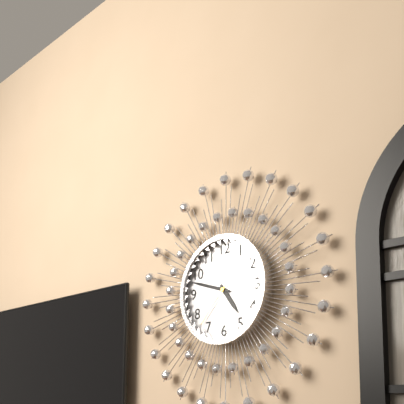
4h48m37s
